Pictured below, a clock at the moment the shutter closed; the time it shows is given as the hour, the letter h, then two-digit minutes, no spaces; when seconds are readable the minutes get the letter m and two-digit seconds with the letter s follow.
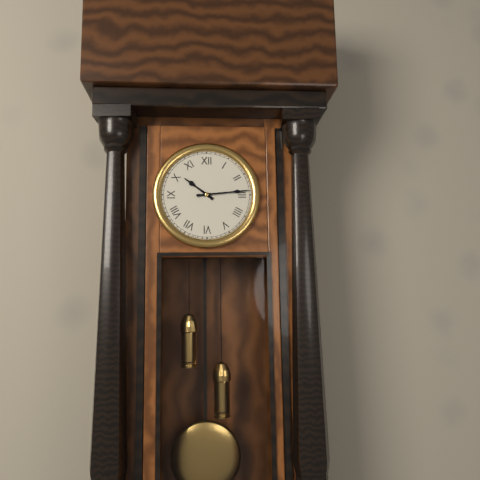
10h14
